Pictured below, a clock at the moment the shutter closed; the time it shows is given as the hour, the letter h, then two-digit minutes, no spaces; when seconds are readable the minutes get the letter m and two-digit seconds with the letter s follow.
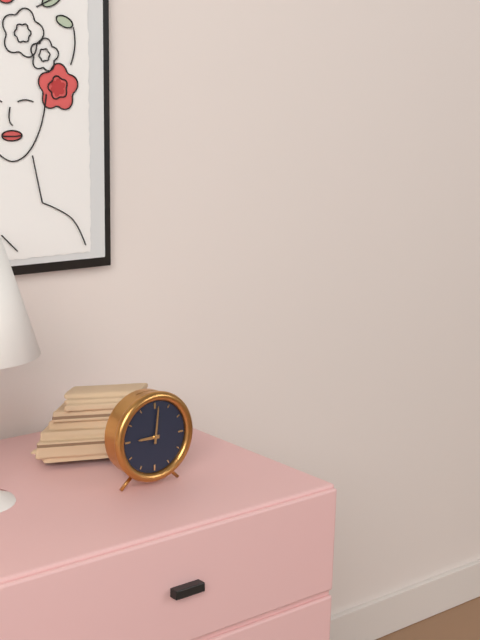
9h01
